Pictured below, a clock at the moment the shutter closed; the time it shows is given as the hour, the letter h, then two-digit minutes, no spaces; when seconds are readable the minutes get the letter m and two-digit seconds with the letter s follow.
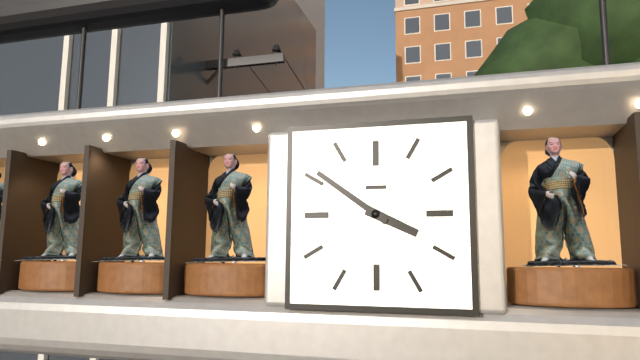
3h51
